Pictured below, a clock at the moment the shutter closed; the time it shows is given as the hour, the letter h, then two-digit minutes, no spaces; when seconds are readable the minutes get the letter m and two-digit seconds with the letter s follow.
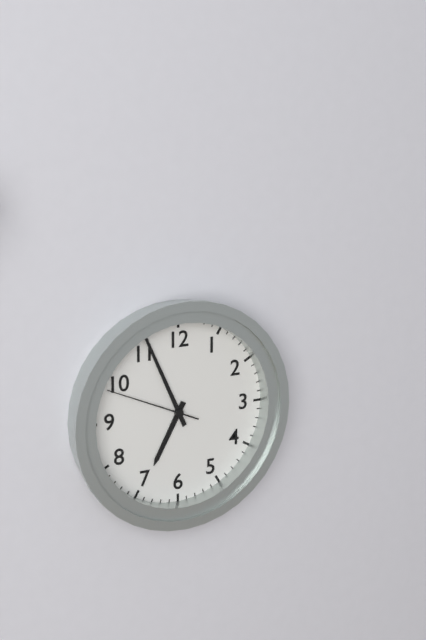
6h56m49s
